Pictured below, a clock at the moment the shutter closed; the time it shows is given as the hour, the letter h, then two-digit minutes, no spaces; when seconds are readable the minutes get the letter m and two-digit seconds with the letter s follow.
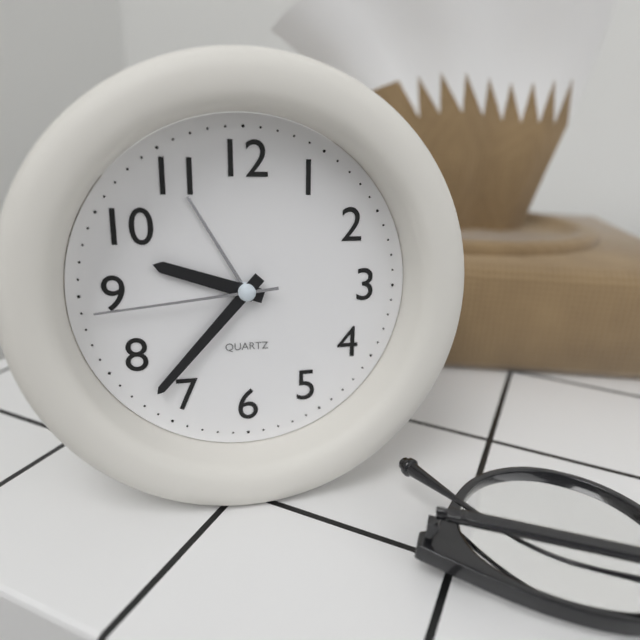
9h37m44s
